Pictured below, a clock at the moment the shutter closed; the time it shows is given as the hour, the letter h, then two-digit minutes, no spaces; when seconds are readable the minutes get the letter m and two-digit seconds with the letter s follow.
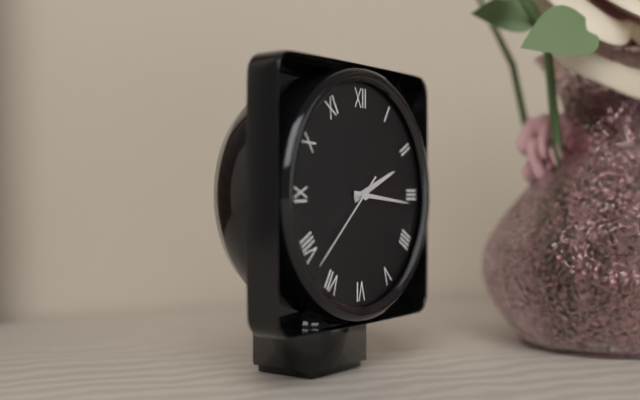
2h16m38s
